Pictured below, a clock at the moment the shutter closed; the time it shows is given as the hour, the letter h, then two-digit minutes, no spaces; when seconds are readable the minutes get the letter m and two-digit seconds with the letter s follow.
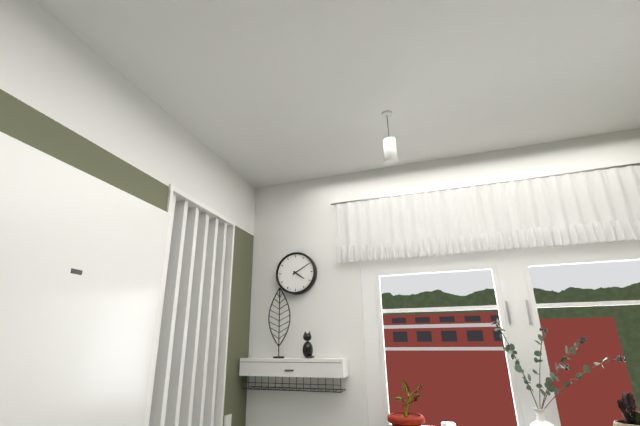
4h10
